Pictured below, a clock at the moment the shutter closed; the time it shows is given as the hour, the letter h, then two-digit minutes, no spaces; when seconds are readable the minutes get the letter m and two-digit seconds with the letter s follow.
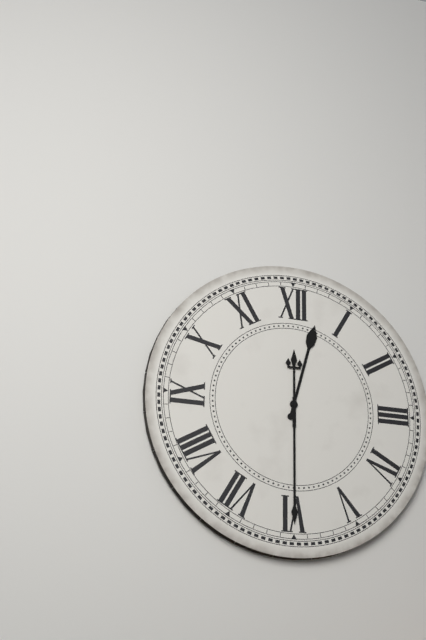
12h30
